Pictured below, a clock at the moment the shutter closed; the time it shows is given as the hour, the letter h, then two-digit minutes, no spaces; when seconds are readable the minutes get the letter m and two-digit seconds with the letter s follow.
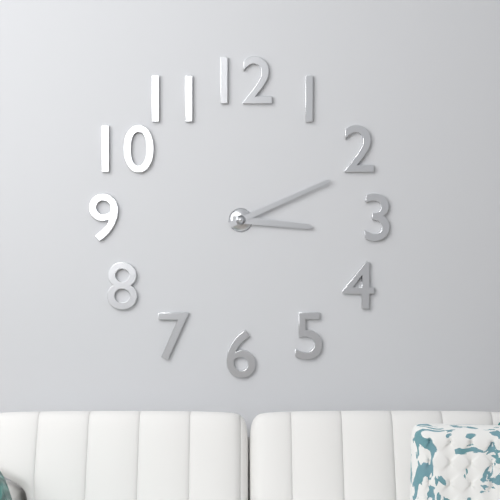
3h11
